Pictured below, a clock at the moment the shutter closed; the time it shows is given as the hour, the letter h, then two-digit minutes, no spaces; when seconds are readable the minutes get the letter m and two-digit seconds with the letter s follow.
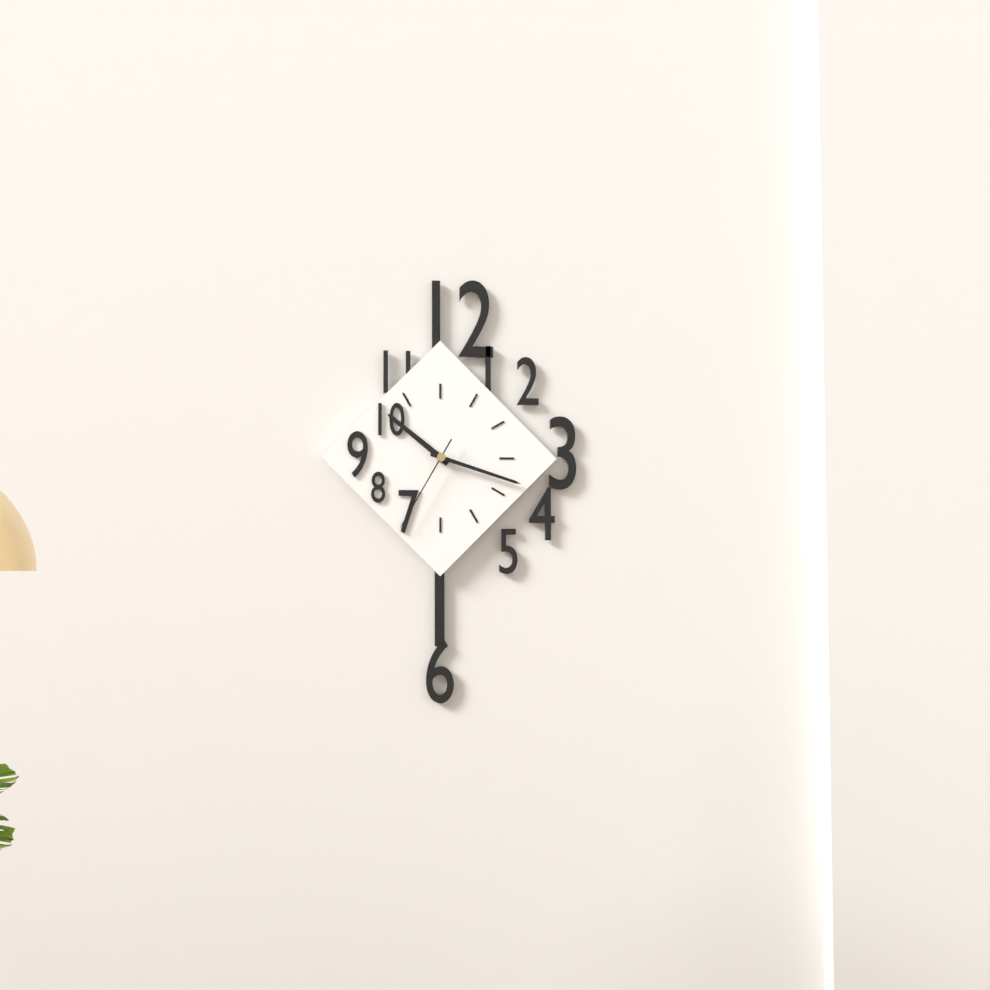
10h18m35s
